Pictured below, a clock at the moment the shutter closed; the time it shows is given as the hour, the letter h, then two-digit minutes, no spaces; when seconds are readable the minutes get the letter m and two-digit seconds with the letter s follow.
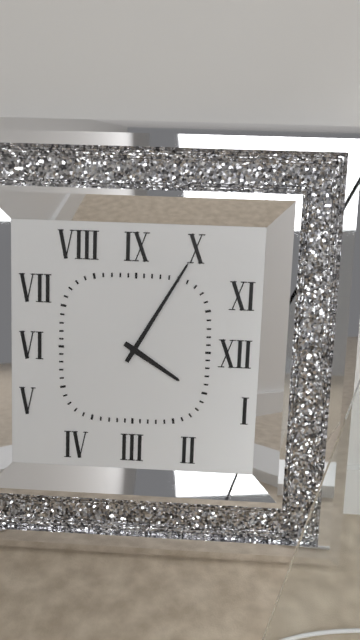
4h05
